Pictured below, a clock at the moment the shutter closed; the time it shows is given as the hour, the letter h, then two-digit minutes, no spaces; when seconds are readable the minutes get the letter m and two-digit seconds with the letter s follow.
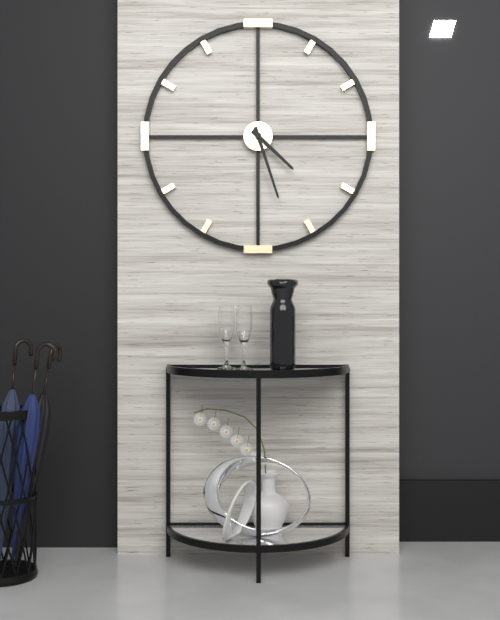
4h27
